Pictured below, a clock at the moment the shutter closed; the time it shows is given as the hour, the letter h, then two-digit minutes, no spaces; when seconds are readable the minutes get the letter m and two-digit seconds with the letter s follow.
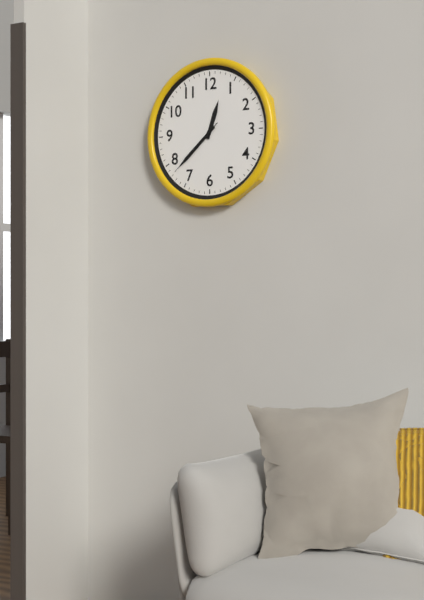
12h38m38s
